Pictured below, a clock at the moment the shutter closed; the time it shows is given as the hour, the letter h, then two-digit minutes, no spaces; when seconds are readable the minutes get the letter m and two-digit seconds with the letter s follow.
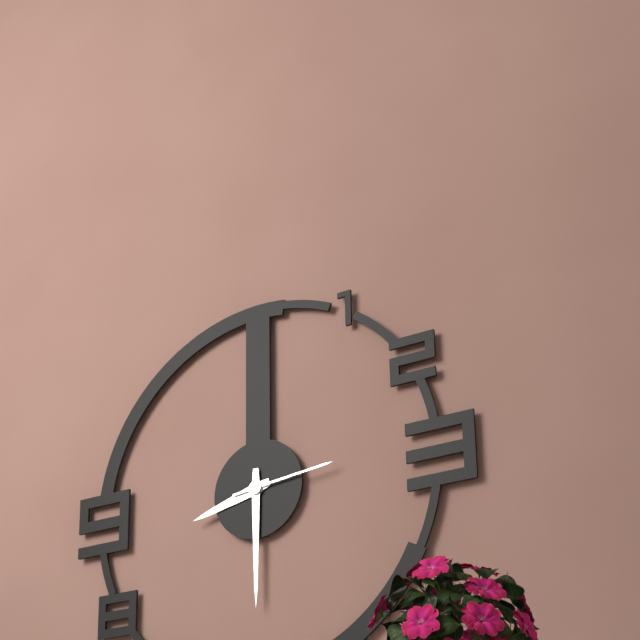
8h30m14s
